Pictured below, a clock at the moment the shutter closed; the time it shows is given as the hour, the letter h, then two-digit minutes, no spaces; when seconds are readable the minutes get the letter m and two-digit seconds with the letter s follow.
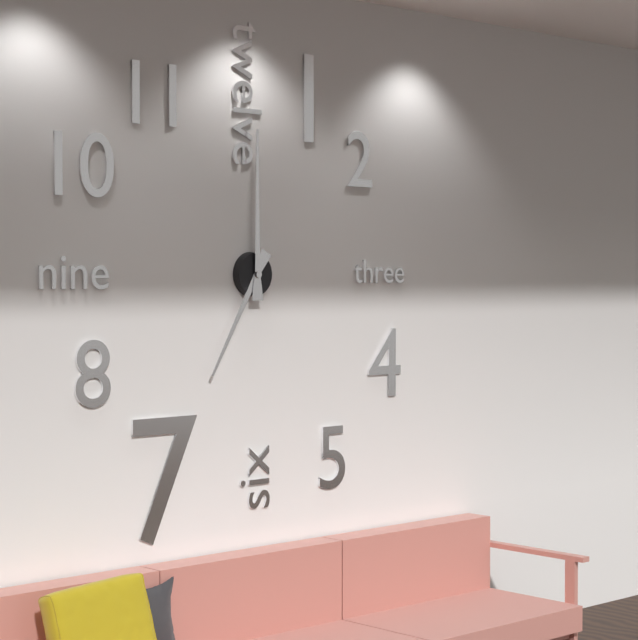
7h00
